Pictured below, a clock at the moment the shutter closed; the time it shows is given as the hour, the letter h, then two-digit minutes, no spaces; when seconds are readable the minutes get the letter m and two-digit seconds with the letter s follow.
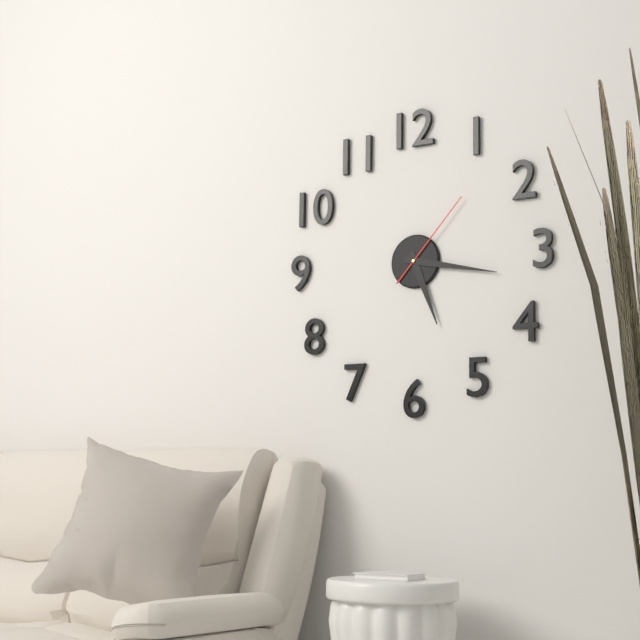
5h17m07s
